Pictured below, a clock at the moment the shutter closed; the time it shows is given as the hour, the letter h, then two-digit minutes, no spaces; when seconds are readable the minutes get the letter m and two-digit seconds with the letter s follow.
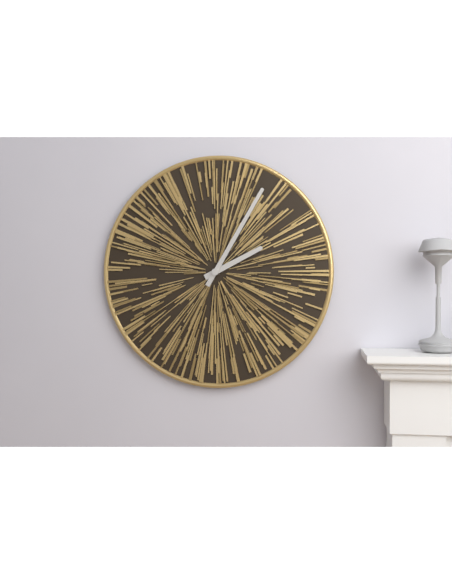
2h05
